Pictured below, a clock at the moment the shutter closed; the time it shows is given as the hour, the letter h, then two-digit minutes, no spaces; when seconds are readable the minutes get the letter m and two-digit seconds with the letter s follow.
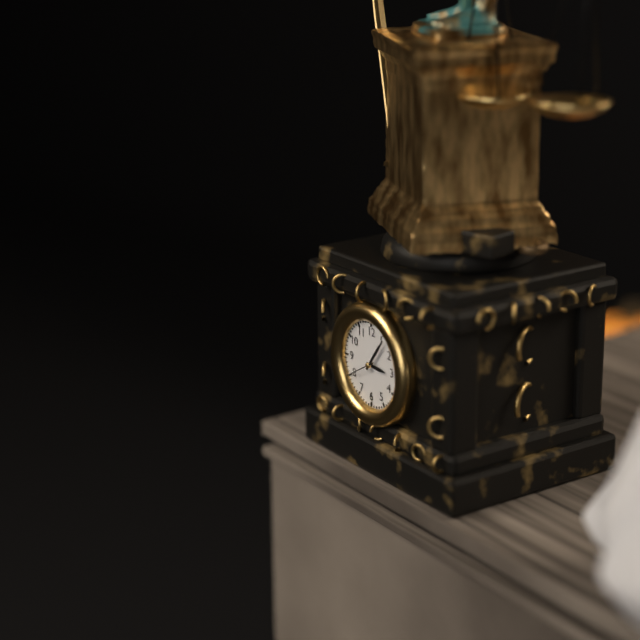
3h06
